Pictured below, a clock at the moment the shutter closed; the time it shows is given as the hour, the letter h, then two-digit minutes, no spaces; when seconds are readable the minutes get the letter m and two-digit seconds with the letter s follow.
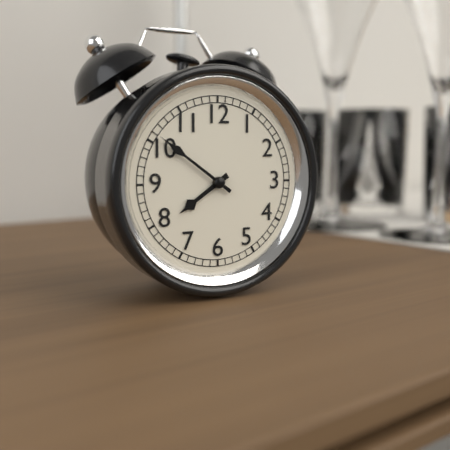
7h51
